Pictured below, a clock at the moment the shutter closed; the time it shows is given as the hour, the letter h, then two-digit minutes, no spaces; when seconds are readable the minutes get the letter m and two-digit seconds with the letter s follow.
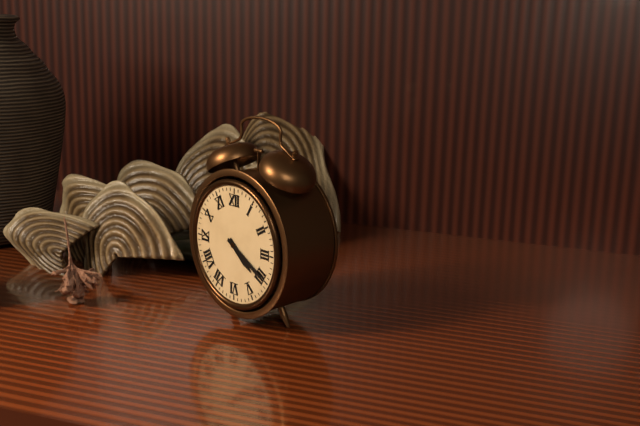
4h20
